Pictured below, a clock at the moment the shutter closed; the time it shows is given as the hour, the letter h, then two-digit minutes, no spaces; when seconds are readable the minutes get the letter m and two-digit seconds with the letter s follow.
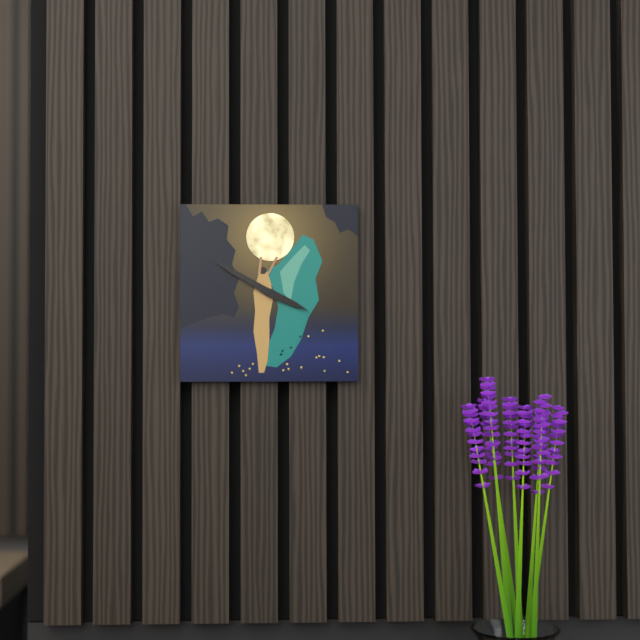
3h50
